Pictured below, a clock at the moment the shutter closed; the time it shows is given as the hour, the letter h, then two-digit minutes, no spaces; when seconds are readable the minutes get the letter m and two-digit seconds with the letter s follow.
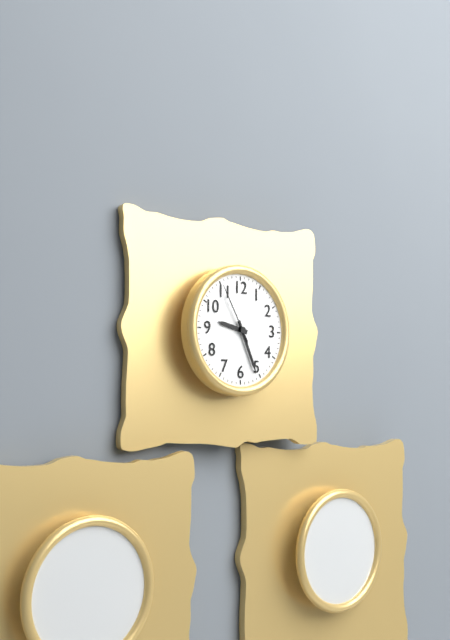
9h26m55s
